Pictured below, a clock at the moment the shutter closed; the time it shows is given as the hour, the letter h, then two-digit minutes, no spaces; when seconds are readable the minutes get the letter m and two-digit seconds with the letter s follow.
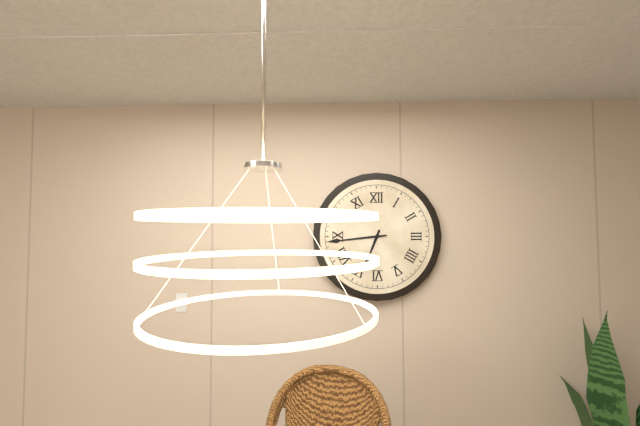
6h44
